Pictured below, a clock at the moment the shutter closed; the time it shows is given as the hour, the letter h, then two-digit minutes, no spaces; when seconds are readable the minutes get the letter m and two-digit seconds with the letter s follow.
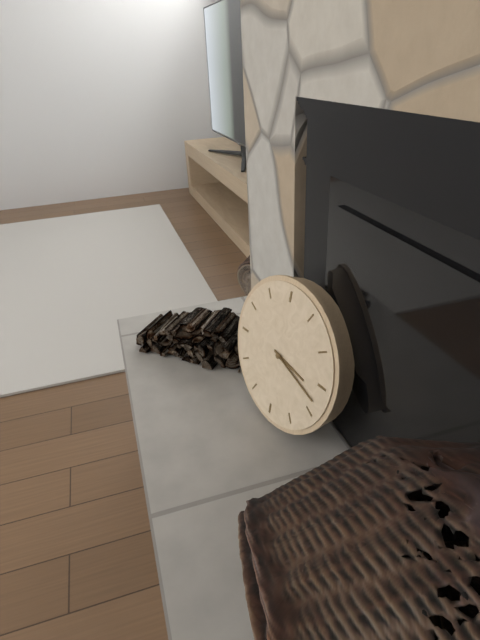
3h18
